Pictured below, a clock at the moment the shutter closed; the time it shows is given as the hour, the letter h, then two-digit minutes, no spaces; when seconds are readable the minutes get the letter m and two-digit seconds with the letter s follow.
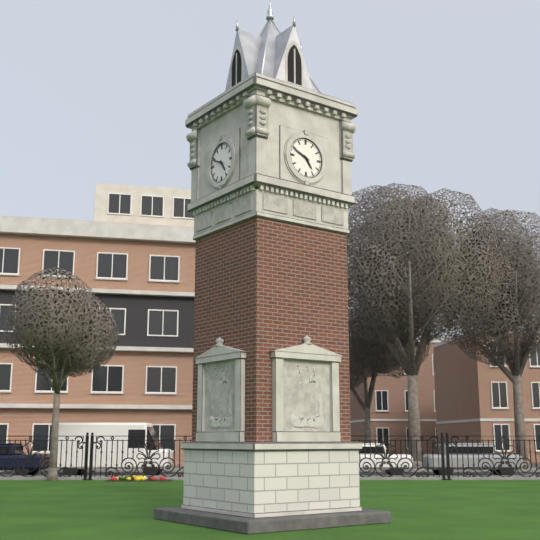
4h49
